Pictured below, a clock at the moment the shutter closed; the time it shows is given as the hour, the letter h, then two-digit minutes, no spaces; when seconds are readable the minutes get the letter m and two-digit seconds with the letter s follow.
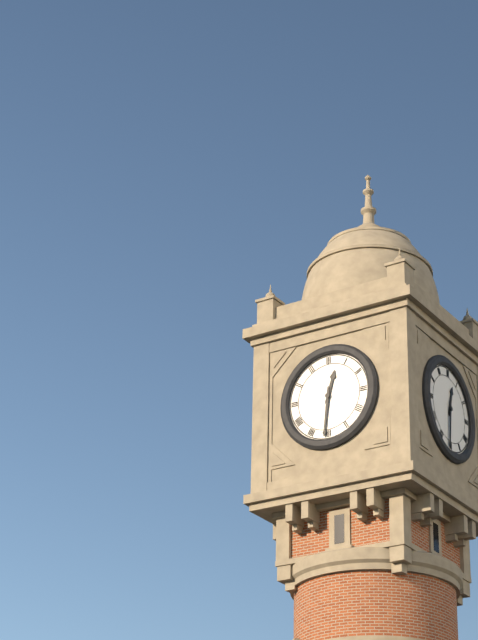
12h31
